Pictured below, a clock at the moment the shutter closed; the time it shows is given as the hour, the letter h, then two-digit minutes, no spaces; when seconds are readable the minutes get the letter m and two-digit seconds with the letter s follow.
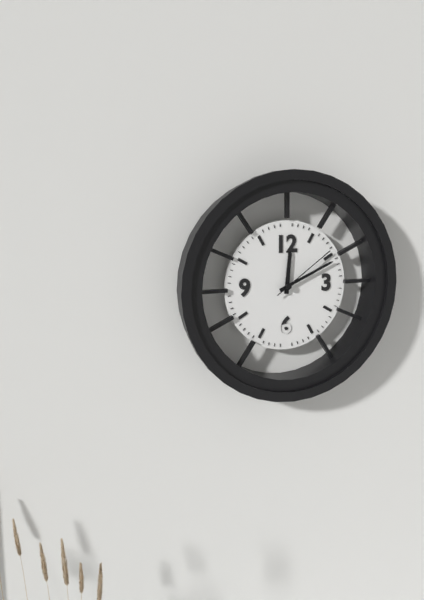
12h11m09s
